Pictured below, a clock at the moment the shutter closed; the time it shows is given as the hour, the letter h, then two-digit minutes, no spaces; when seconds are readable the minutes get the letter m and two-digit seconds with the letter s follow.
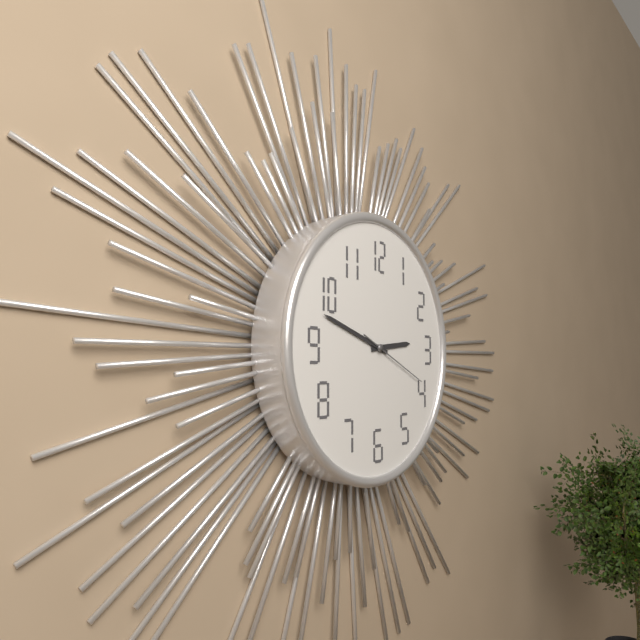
2h48m19s
